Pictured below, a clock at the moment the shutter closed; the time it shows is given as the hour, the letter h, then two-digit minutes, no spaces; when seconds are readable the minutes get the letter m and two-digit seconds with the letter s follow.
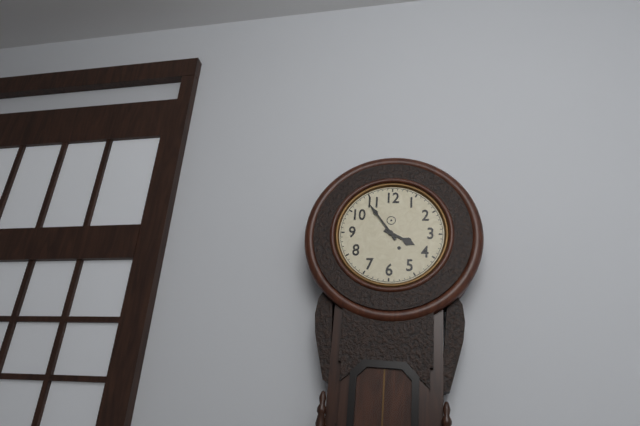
3h54
